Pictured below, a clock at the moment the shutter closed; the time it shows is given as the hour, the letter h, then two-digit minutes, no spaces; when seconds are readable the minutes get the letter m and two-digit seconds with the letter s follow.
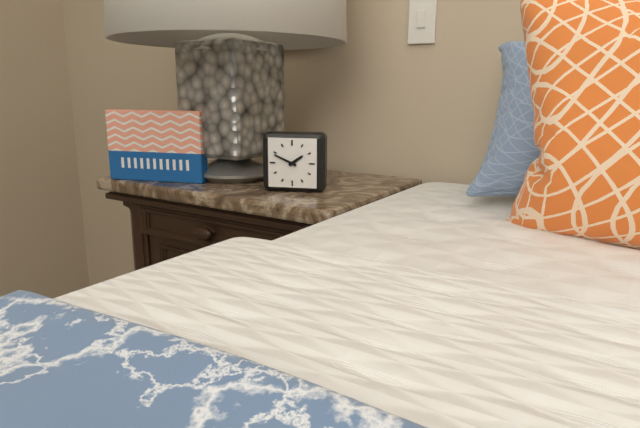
1h49
